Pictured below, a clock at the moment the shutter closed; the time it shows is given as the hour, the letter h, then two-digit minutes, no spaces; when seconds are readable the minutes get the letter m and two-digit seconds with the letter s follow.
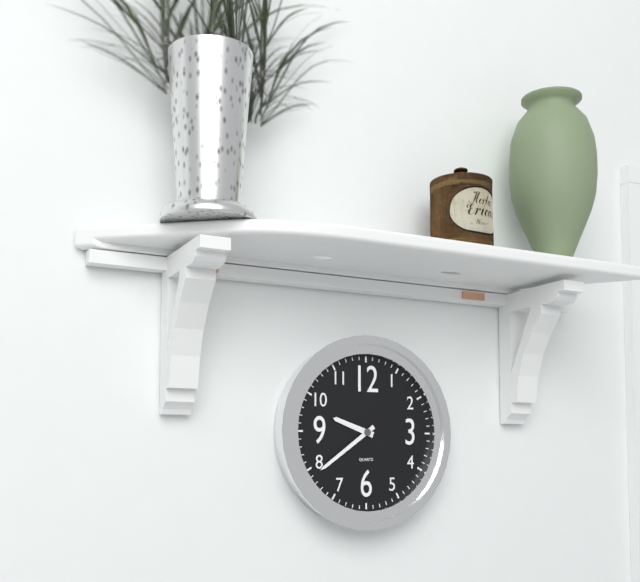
9h39
